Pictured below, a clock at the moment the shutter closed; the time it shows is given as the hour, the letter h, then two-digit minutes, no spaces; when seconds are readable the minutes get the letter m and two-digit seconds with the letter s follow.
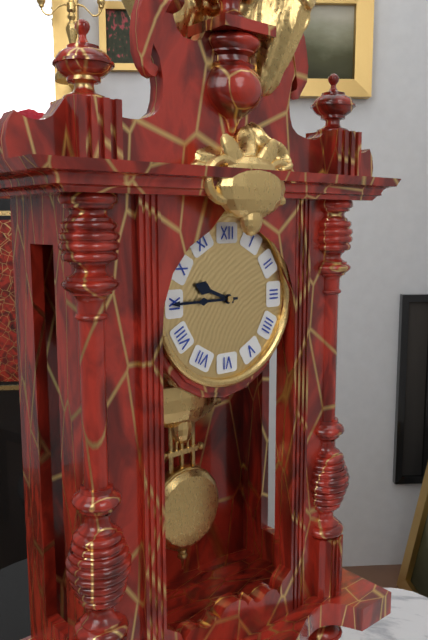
9h45
